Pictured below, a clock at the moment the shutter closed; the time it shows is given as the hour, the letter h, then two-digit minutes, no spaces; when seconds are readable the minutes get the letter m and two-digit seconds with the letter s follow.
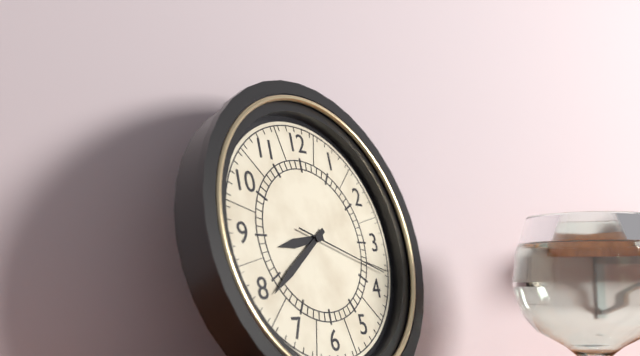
8h39m18s
